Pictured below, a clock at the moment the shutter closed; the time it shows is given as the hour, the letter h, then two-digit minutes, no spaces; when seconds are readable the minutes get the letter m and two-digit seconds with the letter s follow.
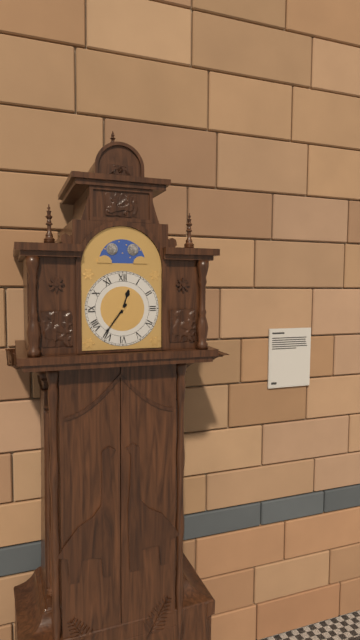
12h36
